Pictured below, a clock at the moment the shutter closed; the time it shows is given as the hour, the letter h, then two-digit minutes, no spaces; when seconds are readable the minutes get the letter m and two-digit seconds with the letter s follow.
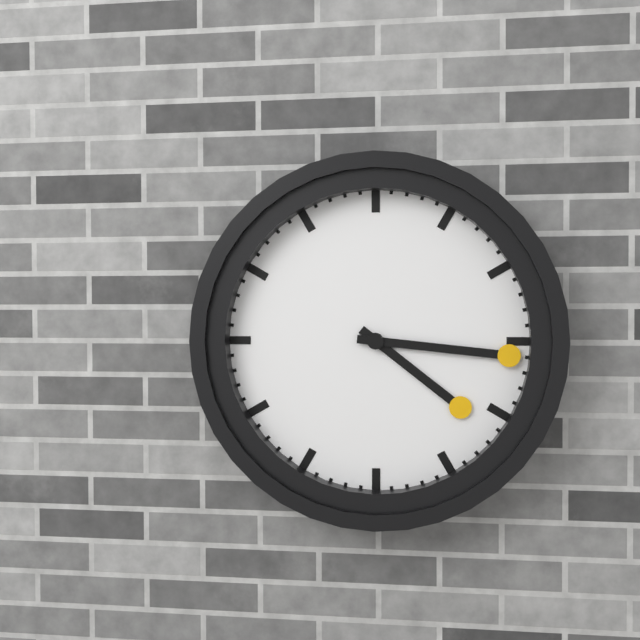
4h16
